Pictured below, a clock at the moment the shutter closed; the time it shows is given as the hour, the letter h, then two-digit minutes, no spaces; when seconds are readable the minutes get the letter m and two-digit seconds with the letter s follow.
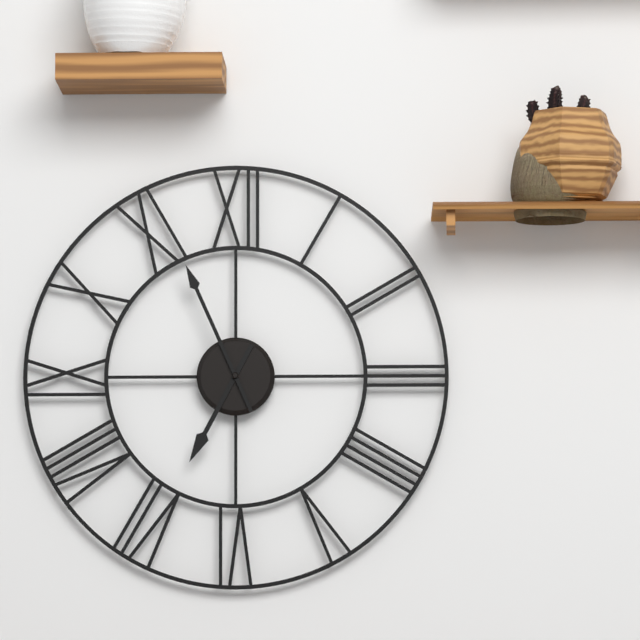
6h56
